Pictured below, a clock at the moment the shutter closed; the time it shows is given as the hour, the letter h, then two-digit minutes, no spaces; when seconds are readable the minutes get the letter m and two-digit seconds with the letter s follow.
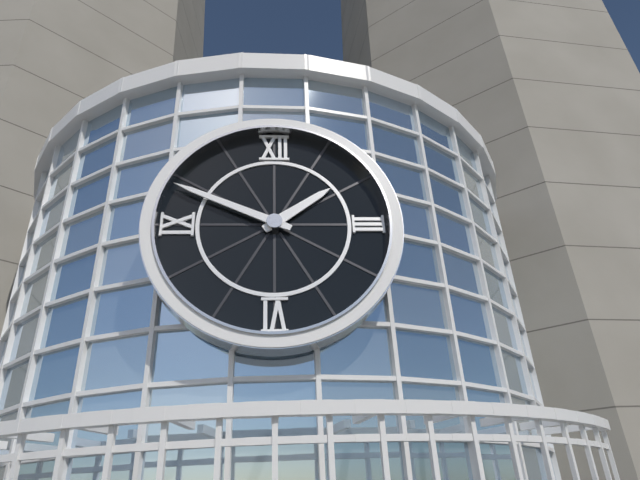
1h49
